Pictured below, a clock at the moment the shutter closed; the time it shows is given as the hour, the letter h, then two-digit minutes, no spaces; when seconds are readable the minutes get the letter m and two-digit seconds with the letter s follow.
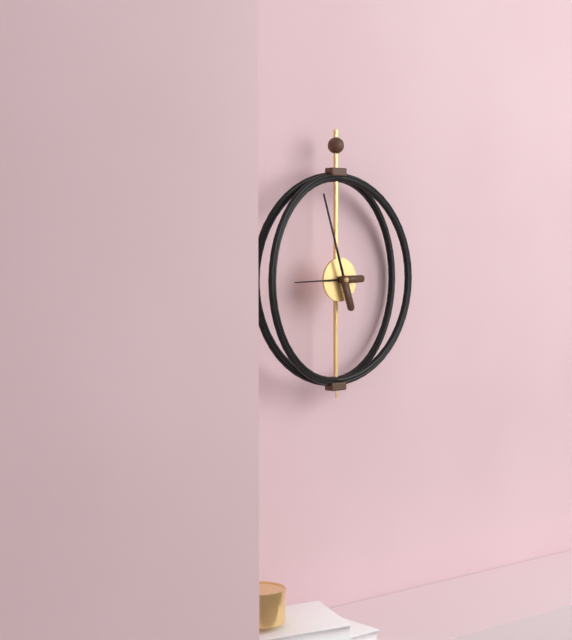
8h57
